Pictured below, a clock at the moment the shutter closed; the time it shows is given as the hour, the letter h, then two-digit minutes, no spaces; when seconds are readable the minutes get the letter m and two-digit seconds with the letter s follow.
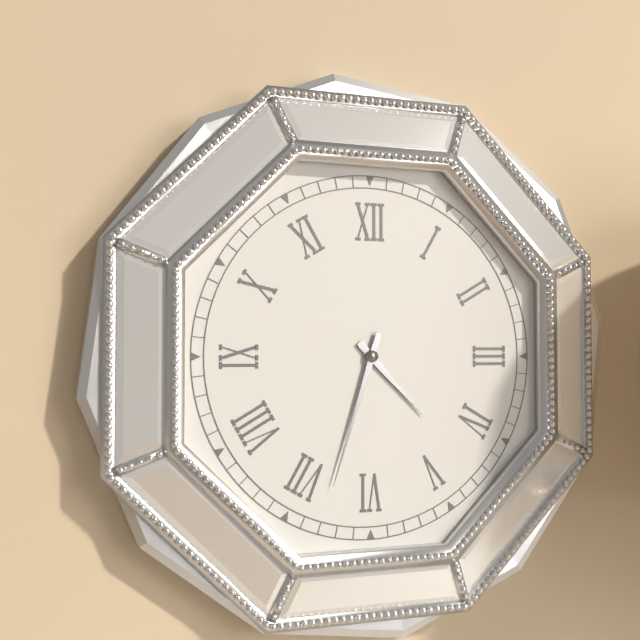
4h33
